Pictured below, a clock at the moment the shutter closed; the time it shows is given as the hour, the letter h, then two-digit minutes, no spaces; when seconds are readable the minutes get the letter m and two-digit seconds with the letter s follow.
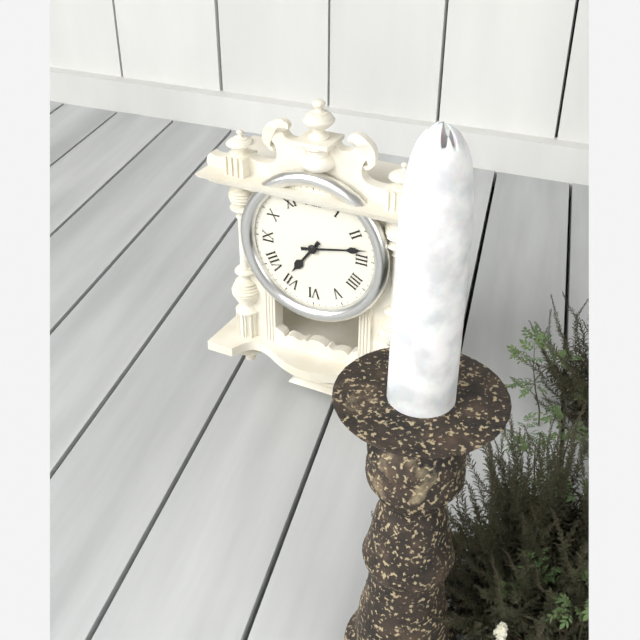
7h13
